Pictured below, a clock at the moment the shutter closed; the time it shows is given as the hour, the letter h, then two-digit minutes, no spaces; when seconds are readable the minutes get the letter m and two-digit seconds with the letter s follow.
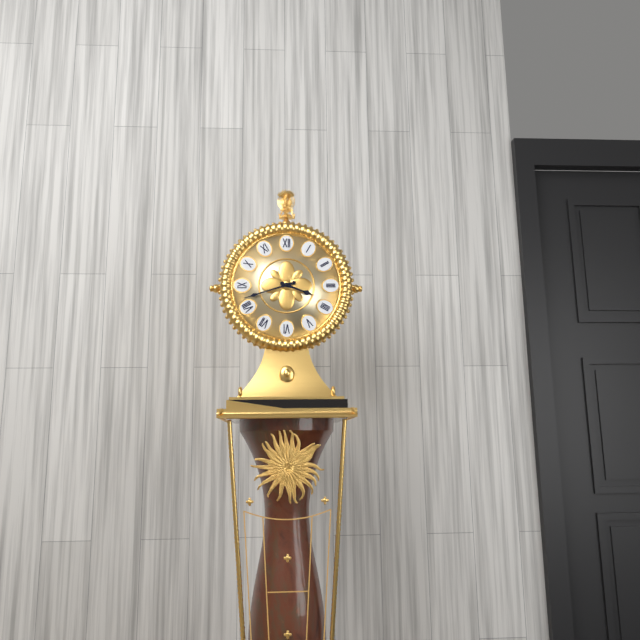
3h42
